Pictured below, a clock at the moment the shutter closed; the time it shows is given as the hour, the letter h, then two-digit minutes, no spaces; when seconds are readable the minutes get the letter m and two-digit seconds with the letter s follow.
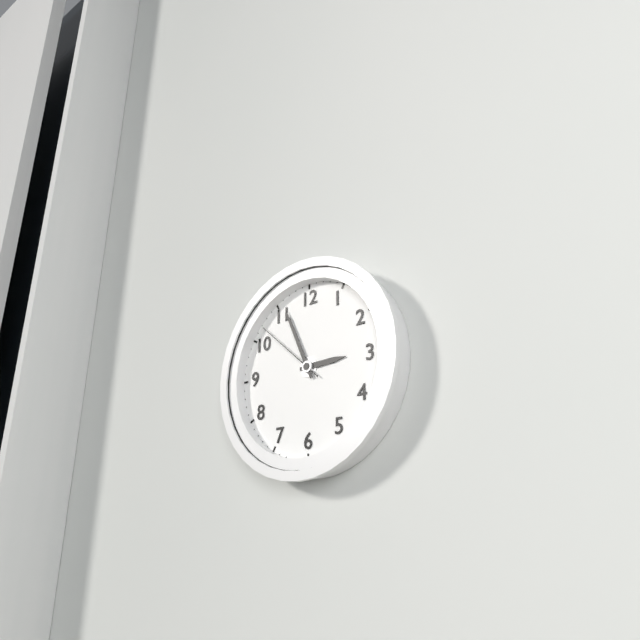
2h56m52s
